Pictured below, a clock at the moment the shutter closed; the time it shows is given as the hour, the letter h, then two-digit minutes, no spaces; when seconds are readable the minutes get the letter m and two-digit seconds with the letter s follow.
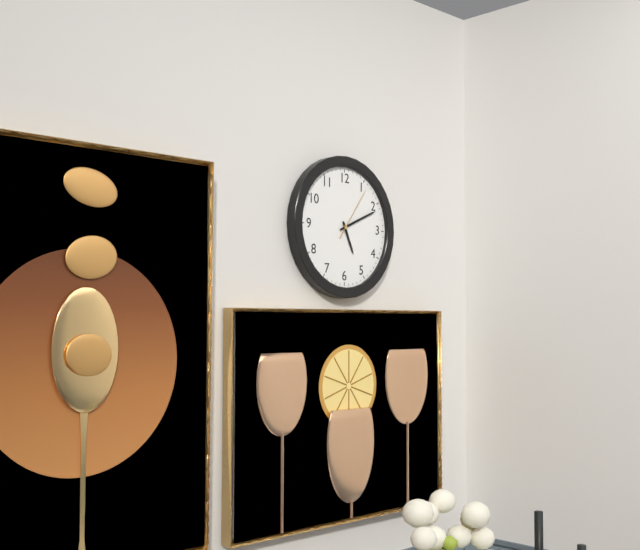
5h11m06s
